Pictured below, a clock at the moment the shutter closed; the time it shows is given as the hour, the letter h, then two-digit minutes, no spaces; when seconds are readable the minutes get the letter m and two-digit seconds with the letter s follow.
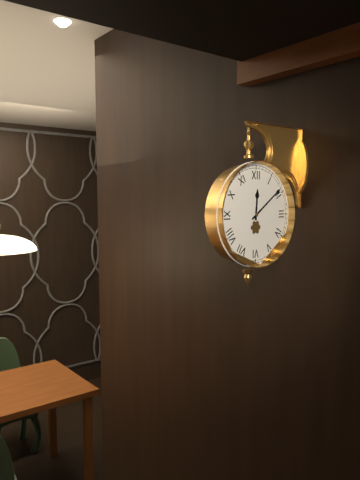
12h09
